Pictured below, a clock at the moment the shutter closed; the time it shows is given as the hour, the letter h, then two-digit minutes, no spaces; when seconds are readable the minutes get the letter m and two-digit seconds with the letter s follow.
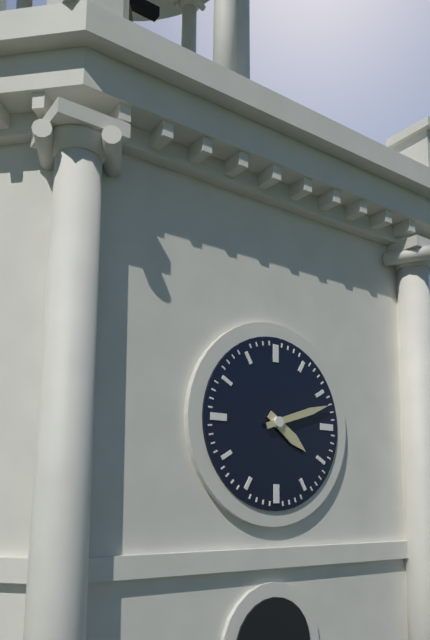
4h12
